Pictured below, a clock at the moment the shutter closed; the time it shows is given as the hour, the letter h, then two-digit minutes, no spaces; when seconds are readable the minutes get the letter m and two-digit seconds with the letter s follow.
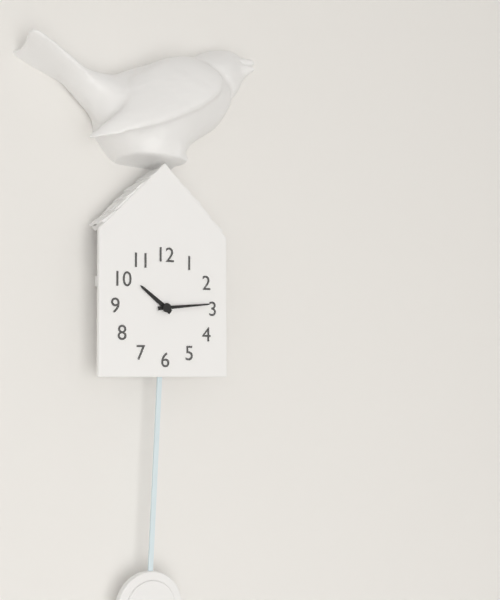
10h14
